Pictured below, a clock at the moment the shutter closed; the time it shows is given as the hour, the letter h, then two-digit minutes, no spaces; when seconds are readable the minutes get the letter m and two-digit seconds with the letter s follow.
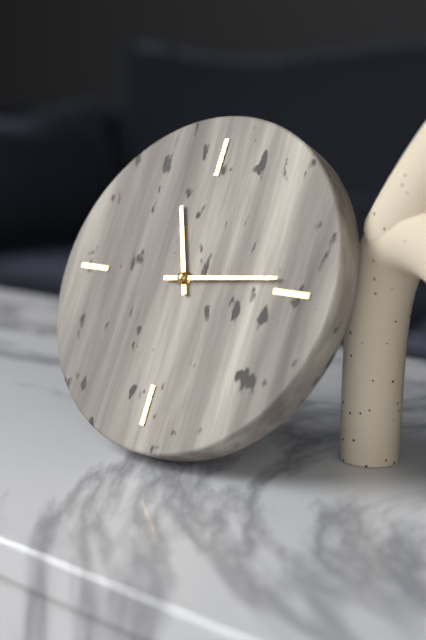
11h14
